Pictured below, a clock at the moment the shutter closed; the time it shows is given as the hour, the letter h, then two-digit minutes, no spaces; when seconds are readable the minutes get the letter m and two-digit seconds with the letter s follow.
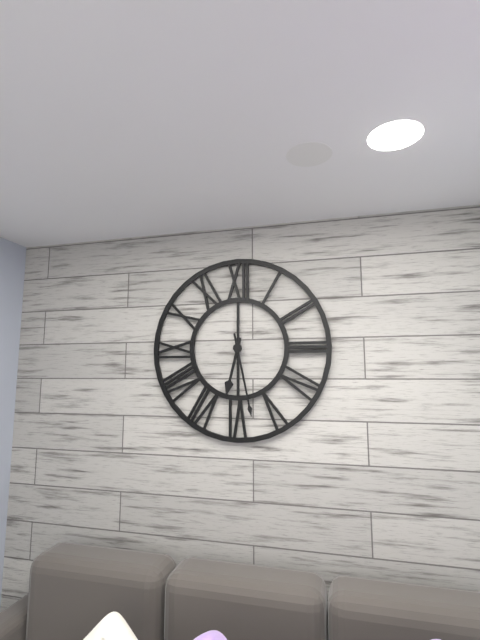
6h28
